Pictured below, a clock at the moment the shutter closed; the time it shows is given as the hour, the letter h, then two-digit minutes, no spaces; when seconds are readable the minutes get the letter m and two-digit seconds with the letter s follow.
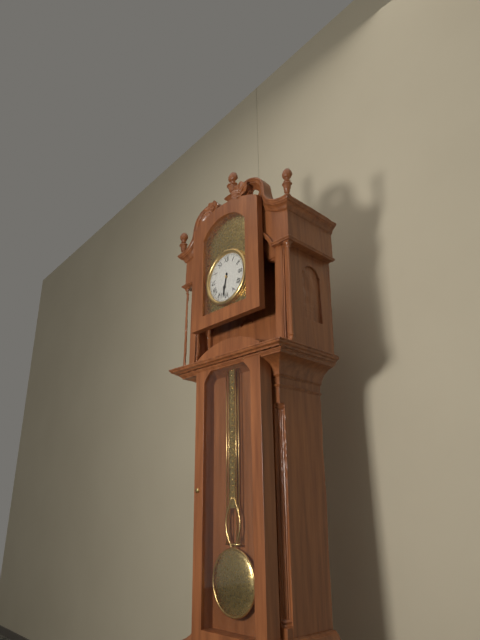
6h32
